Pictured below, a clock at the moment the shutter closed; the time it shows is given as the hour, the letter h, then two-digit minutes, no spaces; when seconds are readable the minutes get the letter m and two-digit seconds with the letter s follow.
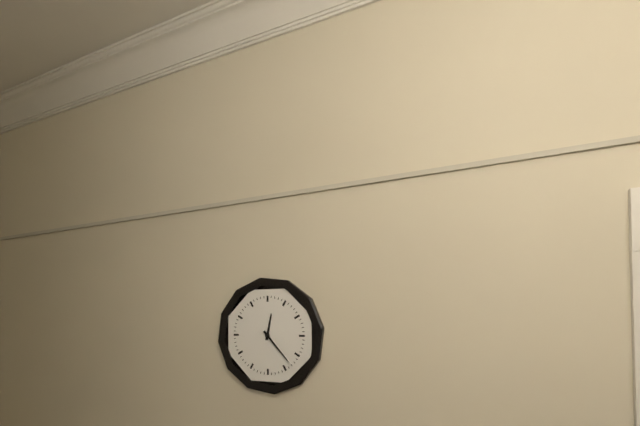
12h23
